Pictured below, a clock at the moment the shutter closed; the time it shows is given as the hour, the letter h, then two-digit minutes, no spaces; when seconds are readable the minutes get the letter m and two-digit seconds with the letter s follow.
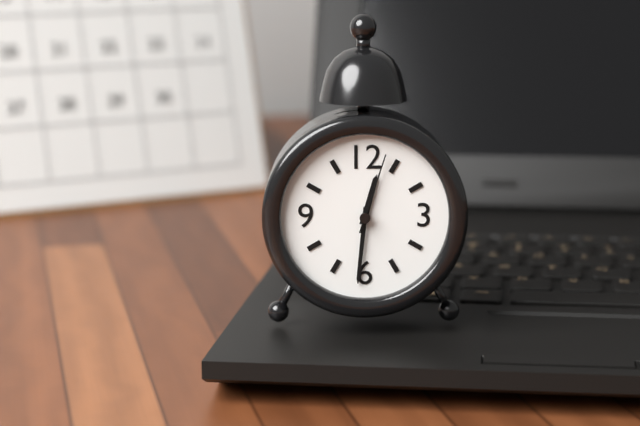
12h31m03s
